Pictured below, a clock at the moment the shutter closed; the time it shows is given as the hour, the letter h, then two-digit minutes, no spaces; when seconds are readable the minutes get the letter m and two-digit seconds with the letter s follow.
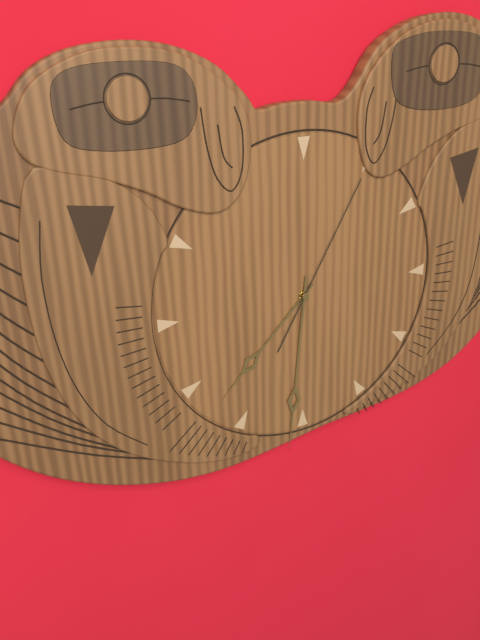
7h31m05s
